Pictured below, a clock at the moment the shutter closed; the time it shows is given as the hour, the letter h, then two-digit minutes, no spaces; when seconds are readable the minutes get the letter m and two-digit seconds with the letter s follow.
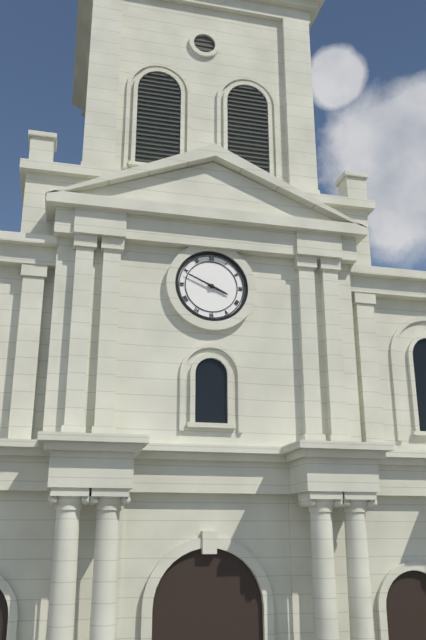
3h49
